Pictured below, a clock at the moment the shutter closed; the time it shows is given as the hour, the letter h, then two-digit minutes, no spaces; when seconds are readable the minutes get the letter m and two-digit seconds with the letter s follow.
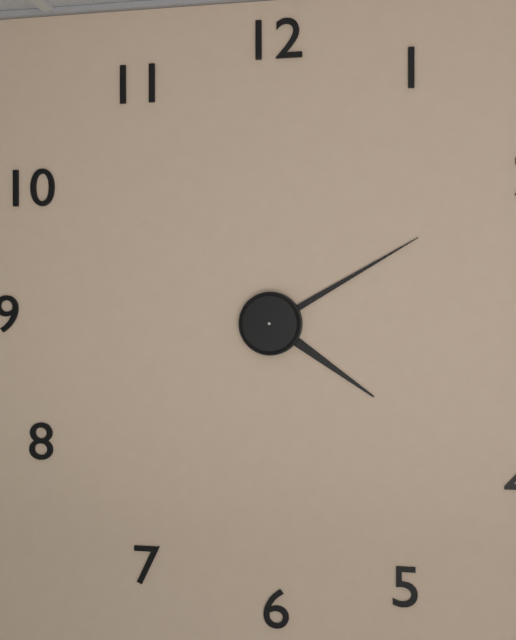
4h10
